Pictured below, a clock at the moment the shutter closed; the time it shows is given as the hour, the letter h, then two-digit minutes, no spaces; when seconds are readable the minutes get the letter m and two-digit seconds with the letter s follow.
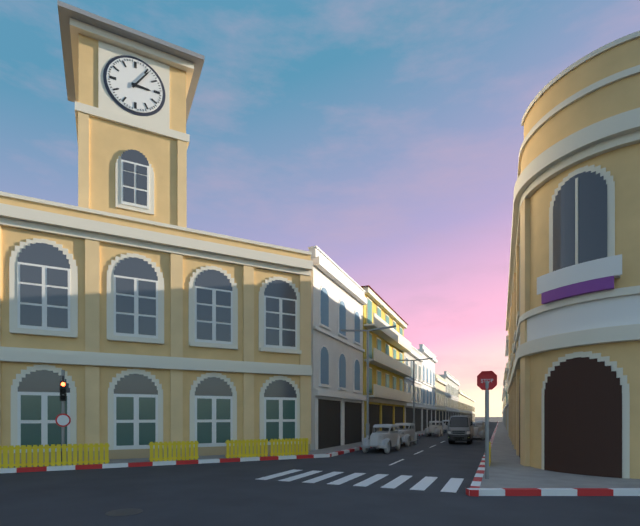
3h06
